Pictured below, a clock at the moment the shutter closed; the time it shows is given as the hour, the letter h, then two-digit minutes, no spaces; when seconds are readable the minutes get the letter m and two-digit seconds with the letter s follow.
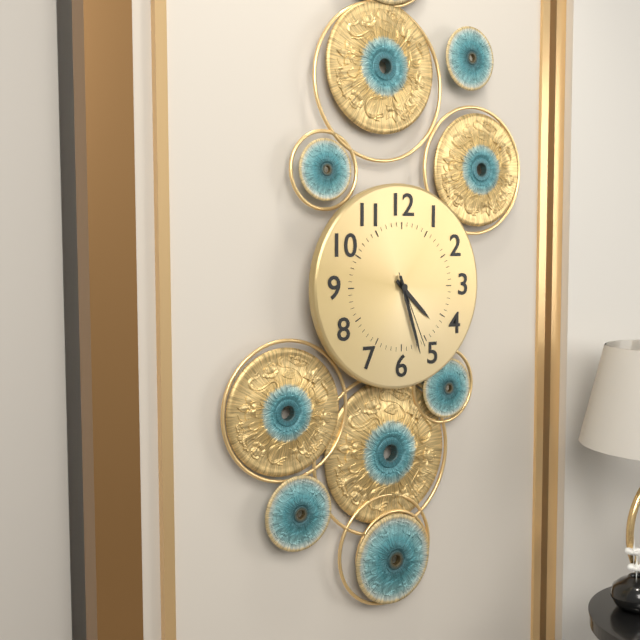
4h27m26s
